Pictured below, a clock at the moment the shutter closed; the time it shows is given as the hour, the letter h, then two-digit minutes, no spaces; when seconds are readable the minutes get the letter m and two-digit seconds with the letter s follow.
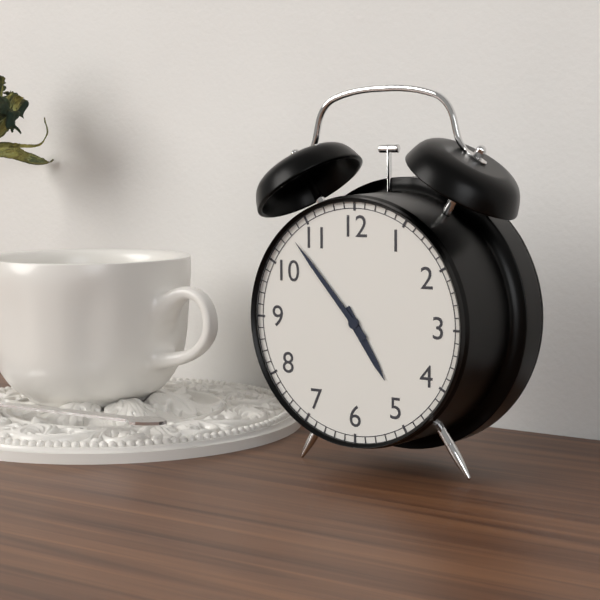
4h53
